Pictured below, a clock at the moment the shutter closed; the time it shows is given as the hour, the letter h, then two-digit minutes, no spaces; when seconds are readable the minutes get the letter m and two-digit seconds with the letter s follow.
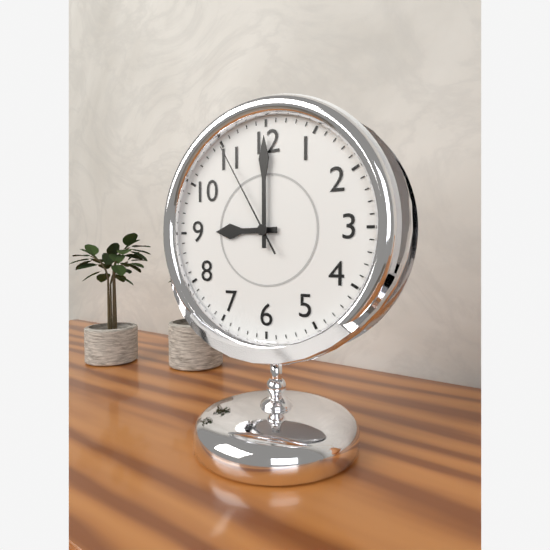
9h00m55s
